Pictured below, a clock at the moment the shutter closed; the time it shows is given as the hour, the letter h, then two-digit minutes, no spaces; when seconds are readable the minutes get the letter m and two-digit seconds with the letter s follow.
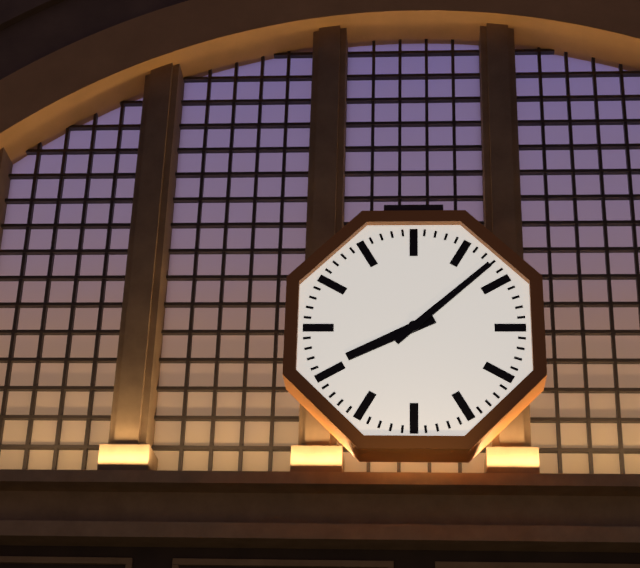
8h08
